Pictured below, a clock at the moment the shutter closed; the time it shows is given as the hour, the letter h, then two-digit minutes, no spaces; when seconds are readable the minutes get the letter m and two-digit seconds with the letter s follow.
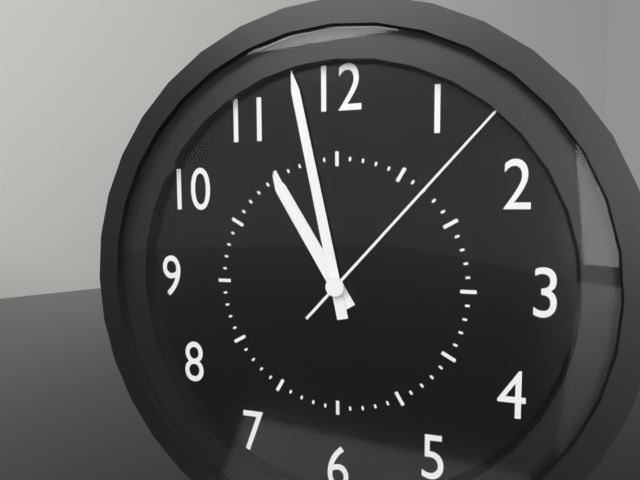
10h58m07s
